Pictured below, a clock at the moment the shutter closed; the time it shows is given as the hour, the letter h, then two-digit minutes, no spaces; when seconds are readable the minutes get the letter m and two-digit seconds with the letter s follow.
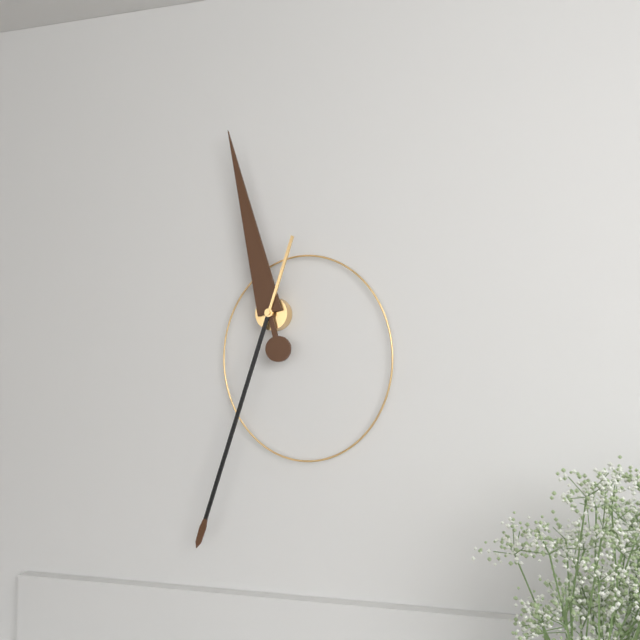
11h33
